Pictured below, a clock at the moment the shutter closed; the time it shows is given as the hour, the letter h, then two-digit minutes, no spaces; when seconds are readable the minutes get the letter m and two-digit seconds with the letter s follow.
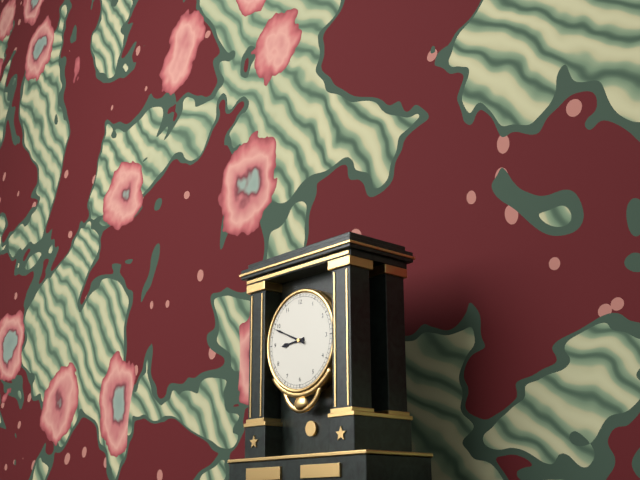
8h49
